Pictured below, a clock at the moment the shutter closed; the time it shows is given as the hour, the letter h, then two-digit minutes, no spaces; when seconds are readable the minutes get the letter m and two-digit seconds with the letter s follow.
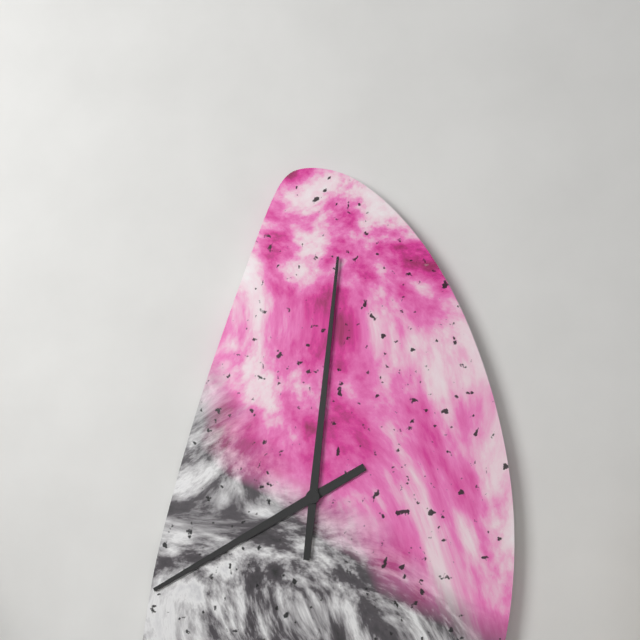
8h01
